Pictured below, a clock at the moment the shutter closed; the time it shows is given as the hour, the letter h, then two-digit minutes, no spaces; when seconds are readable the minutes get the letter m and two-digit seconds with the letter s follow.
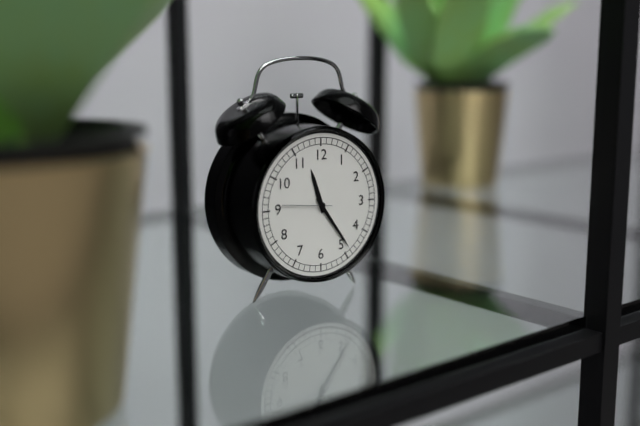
11h24m46s
